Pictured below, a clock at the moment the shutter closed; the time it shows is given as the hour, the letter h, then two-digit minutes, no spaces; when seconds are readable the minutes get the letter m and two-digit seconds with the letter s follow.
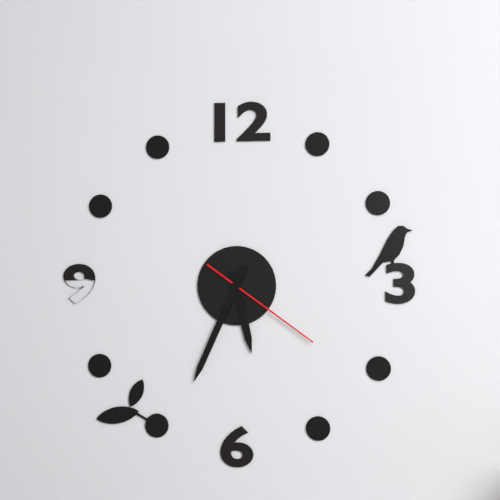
5h34m21s
